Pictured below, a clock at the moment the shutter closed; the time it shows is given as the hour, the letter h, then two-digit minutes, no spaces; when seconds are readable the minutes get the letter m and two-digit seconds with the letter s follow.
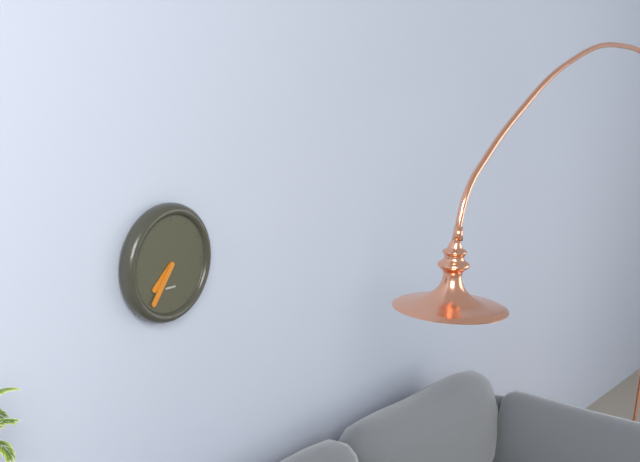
7h36
